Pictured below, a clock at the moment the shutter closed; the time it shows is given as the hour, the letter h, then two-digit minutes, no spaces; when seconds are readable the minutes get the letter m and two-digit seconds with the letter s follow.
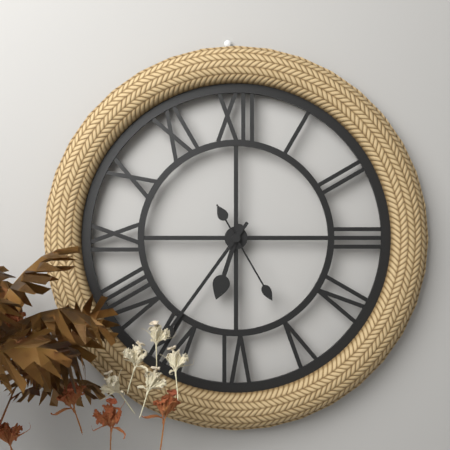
6h36m25s
